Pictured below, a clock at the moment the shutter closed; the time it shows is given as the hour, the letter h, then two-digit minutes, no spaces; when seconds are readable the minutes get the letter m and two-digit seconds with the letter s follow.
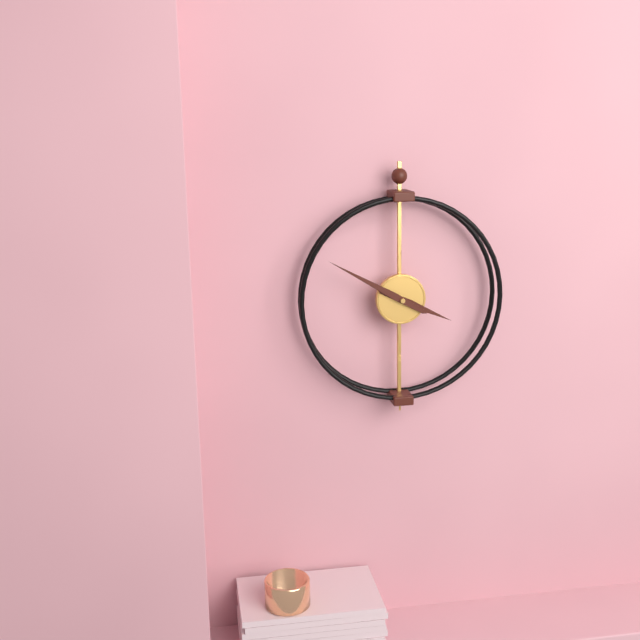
3h50
